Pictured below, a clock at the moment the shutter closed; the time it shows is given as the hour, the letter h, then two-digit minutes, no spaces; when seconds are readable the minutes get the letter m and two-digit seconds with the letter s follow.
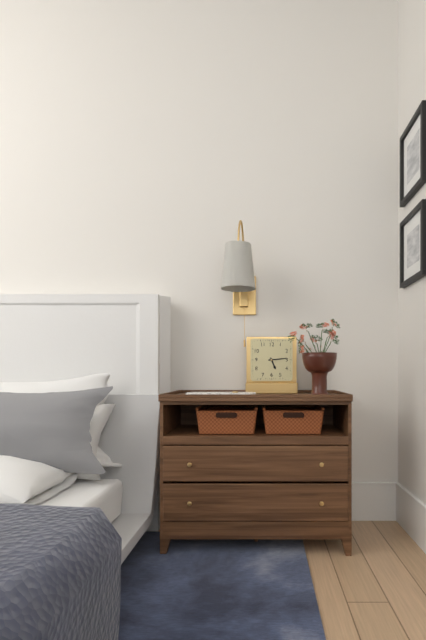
5h14
